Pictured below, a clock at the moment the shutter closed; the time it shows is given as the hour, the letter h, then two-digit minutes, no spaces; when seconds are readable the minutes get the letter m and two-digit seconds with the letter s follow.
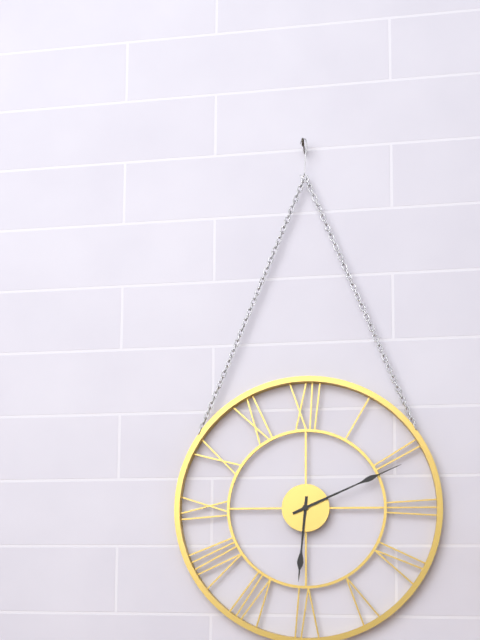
6h11
